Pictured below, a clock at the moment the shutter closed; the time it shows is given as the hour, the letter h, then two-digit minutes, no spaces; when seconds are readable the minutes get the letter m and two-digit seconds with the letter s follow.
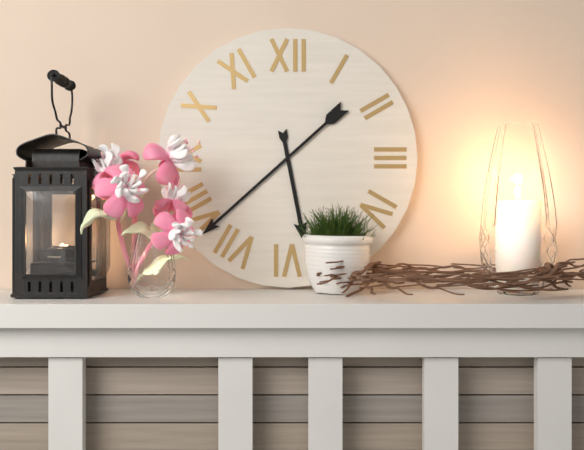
5h38
